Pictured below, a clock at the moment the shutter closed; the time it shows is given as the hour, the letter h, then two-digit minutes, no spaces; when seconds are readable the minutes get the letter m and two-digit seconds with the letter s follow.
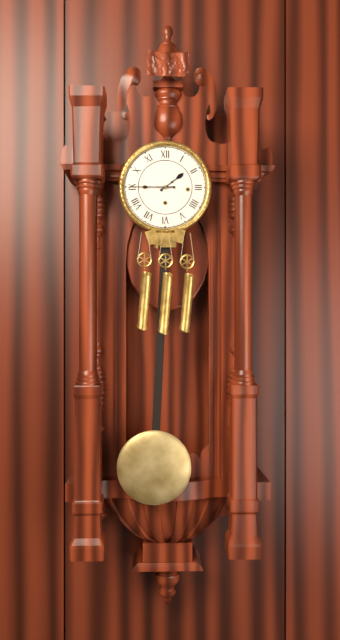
1h45
